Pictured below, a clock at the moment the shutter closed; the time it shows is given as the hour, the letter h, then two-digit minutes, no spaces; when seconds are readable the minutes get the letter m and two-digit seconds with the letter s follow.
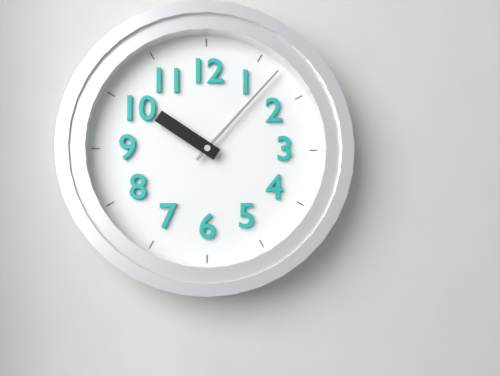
10h07
